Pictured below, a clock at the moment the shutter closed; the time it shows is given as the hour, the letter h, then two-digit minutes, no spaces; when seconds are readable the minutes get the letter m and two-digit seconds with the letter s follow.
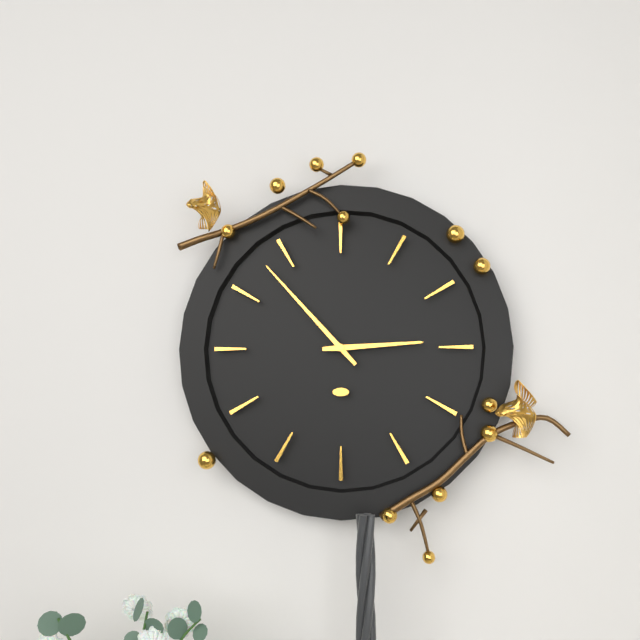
2h53
